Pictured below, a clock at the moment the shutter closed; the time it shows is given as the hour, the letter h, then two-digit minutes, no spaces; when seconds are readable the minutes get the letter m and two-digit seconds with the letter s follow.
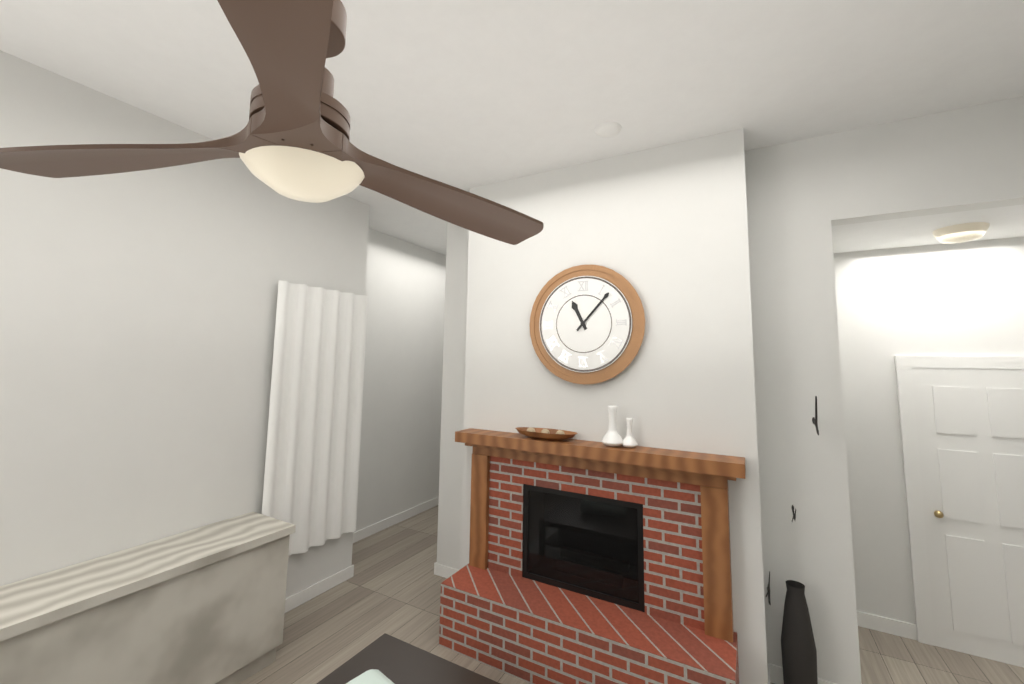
11h07
